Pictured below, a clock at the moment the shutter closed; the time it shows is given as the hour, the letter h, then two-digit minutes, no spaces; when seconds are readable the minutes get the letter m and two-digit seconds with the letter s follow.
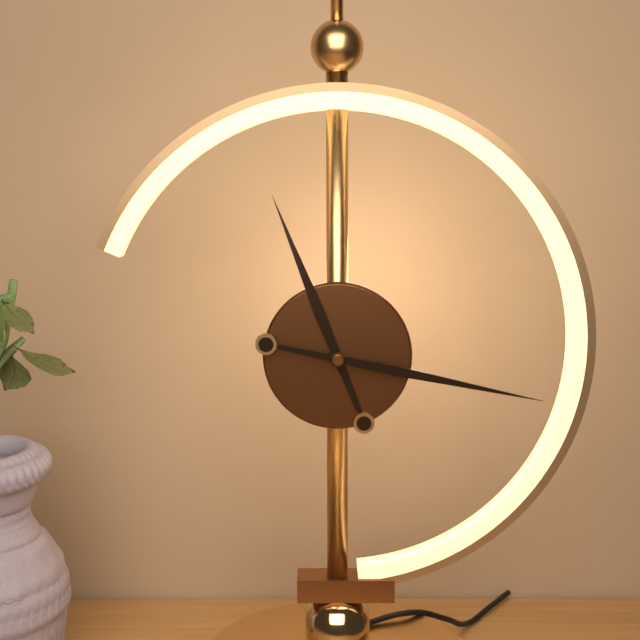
11h17
